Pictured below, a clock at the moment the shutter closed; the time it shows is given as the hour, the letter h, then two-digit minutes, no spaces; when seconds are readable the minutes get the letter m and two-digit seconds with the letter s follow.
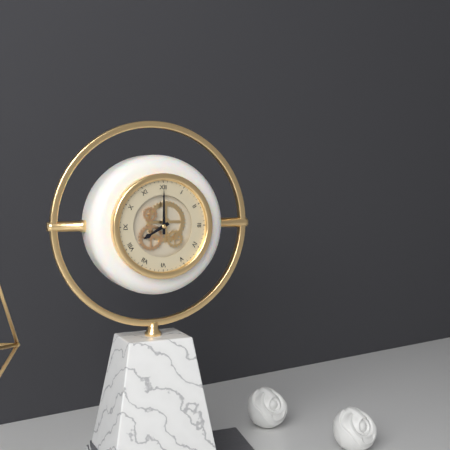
8h00
